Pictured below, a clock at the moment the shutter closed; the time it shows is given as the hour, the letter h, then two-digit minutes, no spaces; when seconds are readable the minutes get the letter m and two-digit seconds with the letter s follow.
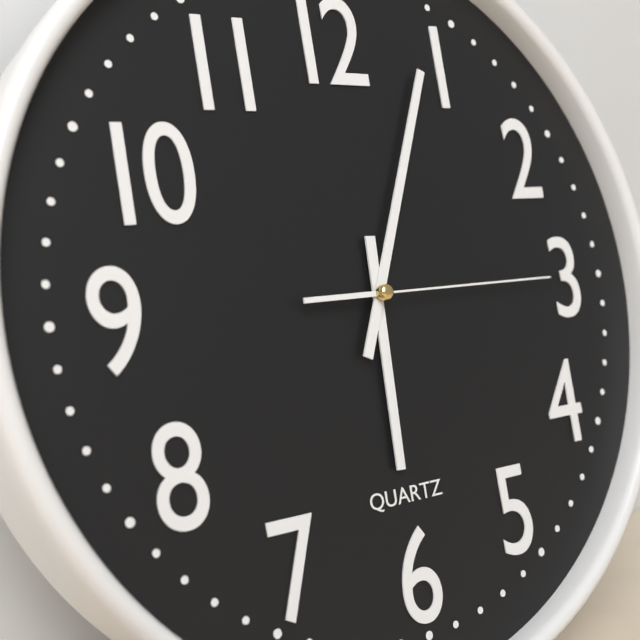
6h04m15s
